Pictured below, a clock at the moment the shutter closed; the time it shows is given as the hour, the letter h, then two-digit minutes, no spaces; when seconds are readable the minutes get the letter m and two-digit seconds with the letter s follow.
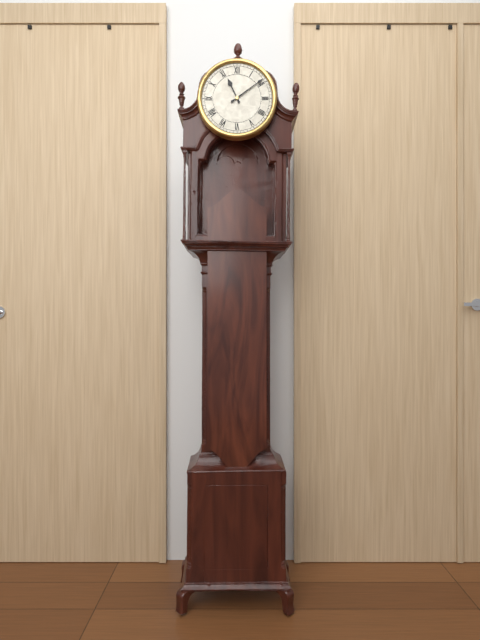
11h09
